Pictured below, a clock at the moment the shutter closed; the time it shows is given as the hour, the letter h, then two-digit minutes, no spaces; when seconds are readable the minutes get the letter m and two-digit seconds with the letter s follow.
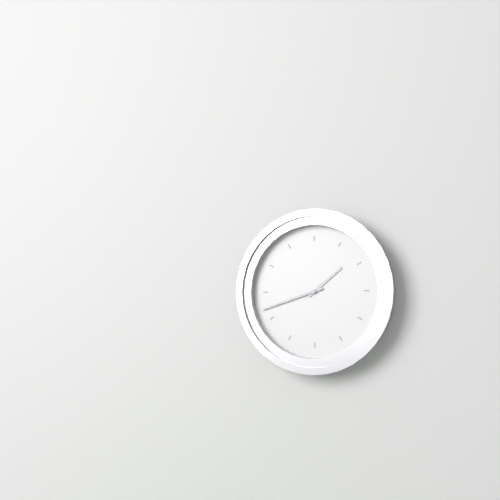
1h42
